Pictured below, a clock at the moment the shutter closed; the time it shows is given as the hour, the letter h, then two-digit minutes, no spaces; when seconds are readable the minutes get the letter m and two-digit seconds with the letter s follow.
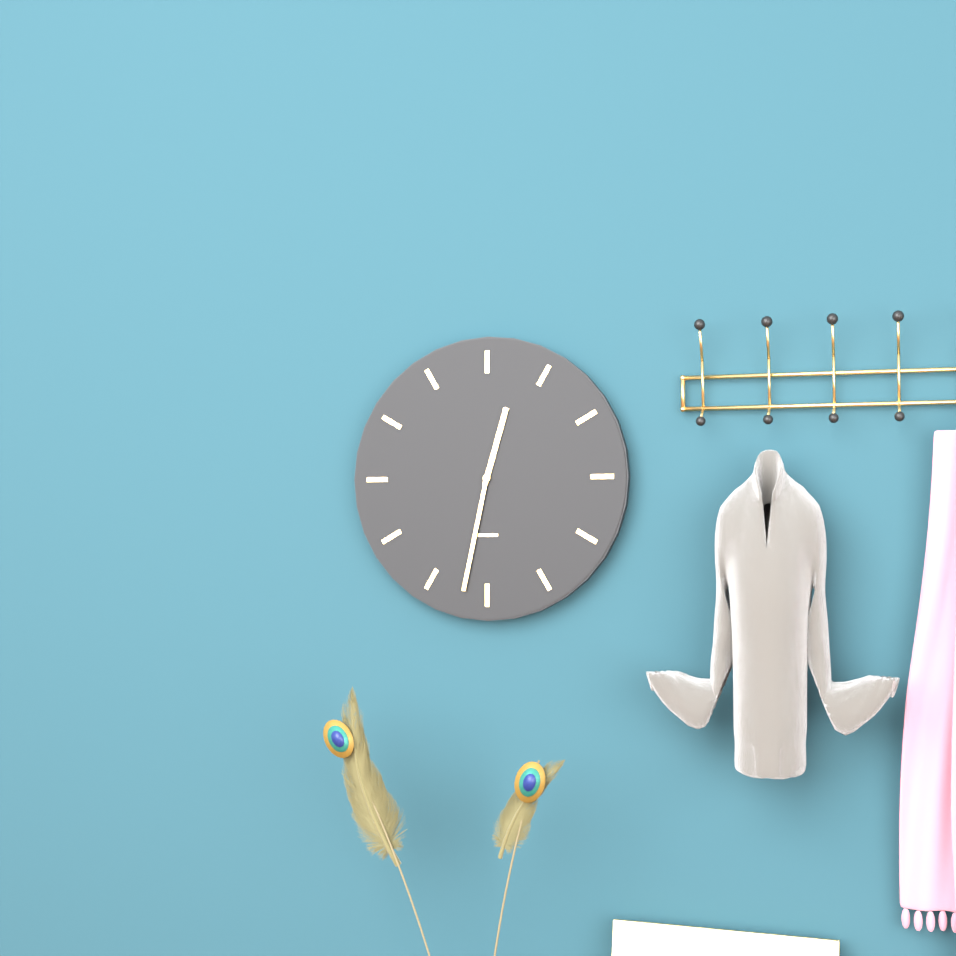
12h32
